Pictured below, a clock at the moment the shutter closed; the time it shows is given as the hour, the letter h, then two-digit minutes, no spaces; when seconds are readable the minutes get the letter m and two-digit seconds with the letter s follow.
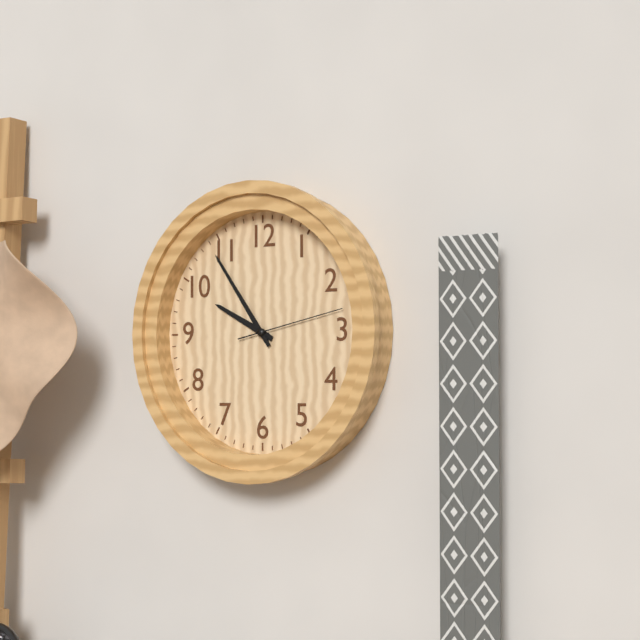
9h54m13s
